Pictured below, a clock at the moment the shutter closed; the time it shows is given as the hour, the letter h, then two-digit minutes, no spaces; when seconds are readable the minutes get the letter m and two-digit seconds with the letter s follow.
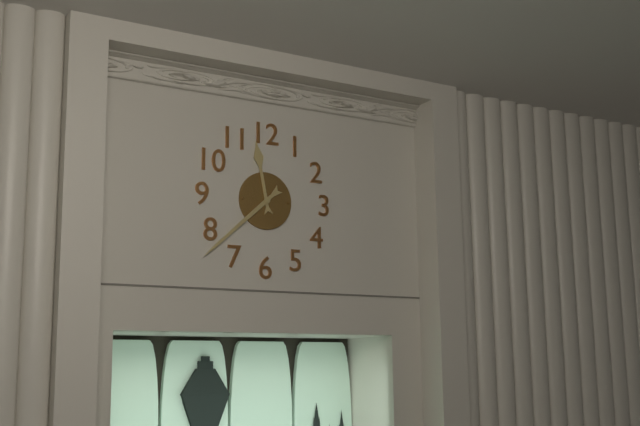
11h38
